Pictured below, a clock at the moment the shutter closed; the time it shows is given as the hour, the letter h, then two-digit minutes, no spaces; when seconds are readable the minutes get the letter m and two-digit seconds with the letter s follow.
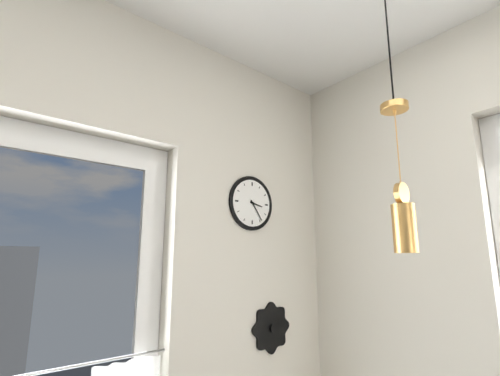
3h24
